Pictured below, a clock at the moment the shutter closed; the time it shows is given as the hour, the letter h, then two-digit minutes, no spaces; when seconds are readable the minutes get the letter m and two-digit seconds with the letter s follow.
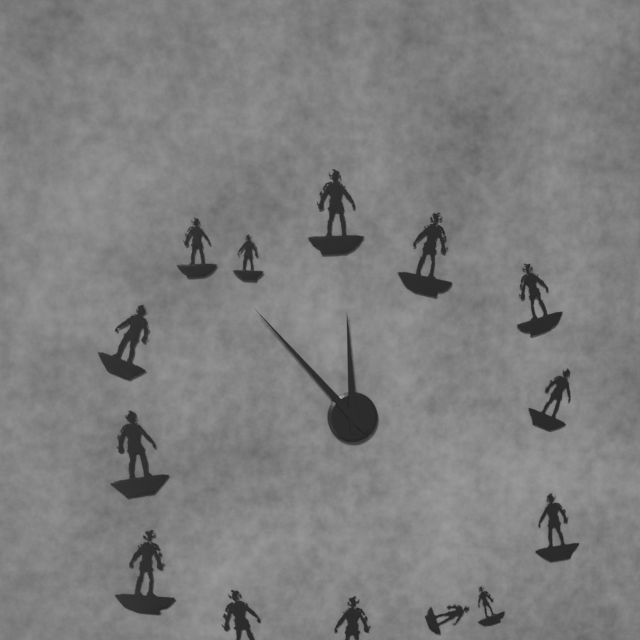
11h53
